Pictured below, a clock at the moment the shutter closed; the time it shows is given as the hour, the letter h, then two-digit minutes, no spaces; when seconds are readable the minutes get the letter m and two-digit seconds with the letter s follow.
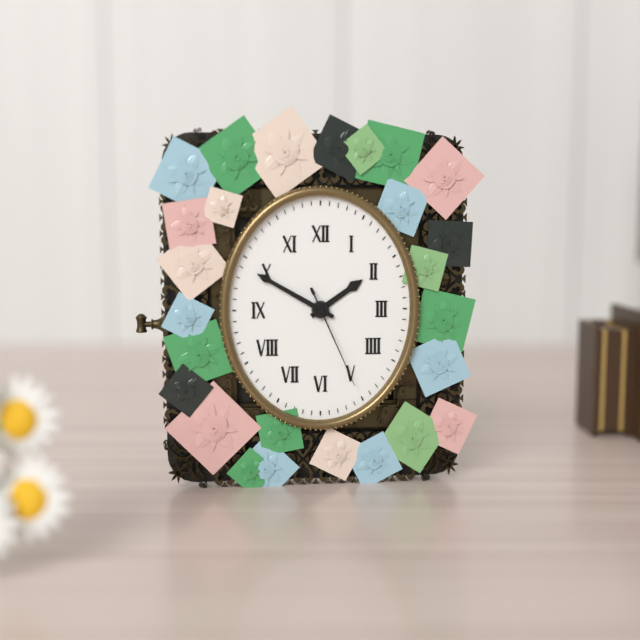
1h50m26s
